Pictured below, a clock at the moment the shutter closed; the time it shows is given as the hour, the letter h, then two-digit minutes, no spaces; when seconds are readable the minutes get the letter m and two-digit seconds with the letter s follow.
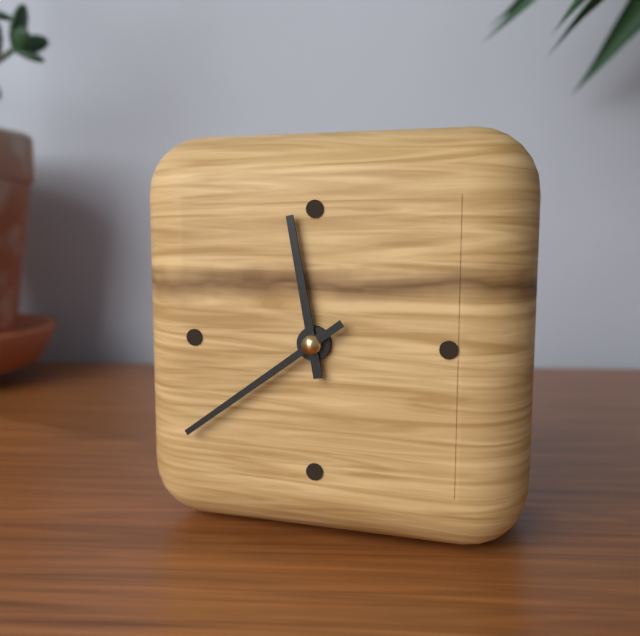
11h39
